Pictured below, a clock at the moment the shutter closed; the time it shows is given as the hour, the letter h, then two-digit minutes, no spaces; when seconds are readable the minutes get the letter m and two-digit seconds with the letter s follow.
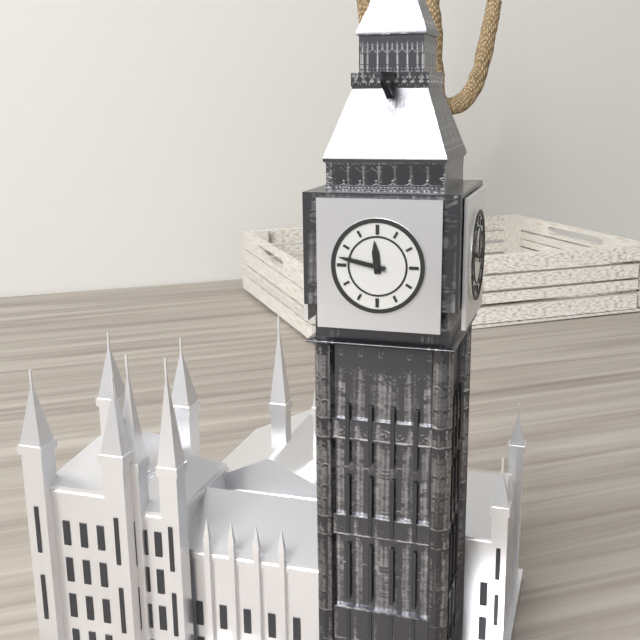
11h47
